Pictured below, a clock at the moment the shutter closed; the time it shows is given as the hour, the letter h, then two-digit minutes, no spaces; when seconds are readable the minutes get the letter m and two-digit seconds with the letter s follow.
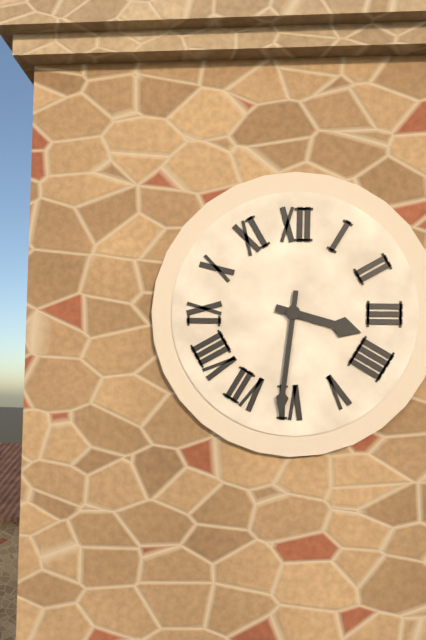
3h31
